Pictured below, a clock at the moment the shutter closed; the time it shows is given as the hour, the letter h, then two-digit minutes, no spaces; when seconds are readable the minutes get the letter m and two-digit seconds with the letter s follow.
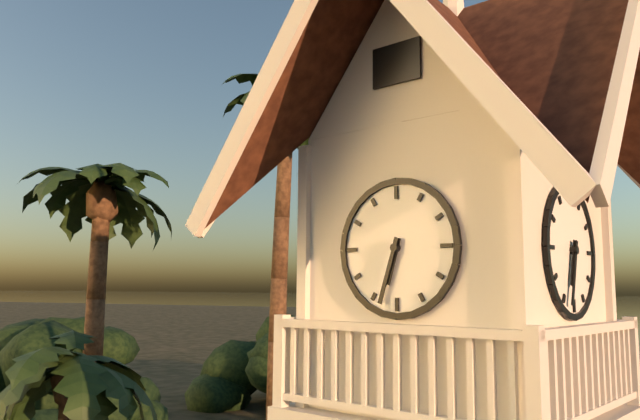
6h33
